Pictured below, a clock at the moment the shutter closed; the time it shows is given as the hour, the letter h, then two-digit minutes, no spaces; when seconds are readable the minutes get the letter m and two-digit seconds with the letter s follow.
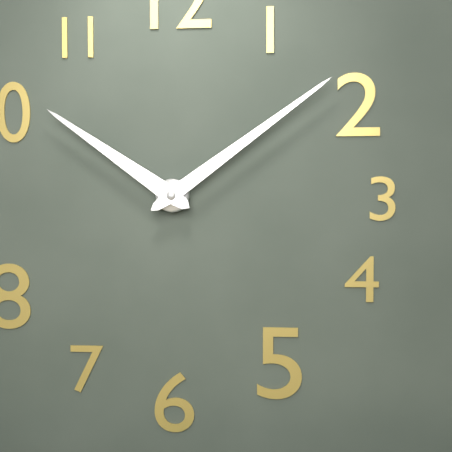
10h09
